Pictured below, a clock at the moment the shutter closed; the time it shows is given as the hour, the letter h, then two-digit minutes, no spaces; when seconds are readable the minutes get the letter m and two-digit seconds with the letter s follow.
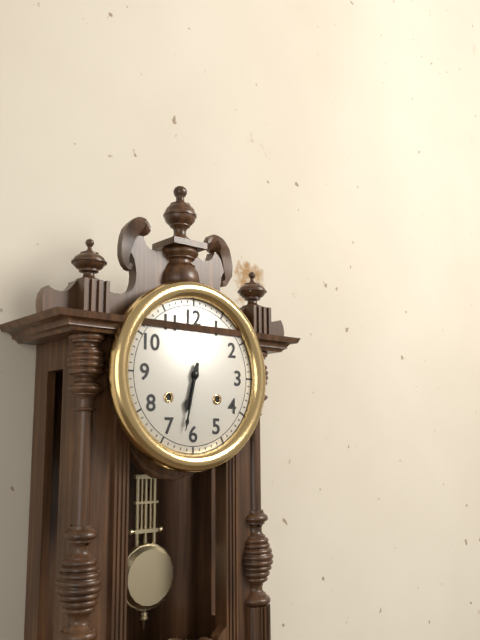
6h32
